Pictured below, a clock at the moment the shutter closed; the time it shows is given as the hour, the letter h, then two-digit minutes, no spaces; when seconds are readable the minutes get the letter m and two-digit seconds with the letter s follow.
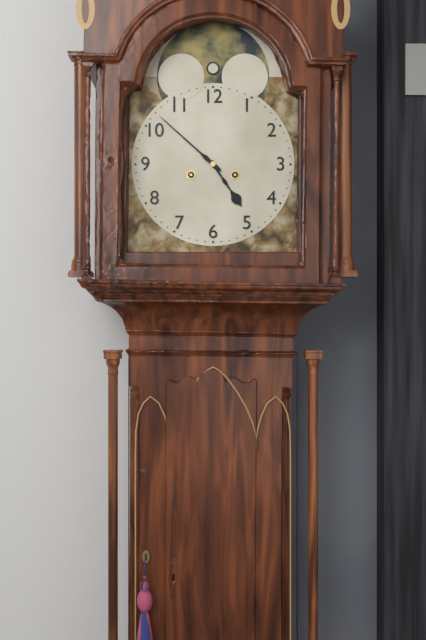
4h52
